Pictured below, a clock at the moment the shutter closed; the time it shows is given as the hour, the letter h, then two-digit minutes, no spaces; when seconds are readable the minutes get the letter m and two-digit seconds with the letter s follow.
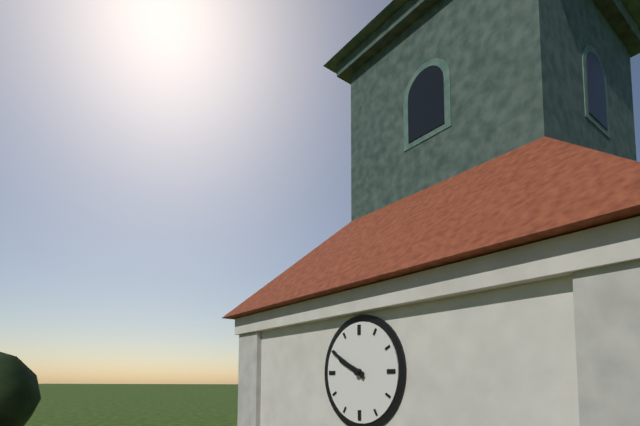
9h50
